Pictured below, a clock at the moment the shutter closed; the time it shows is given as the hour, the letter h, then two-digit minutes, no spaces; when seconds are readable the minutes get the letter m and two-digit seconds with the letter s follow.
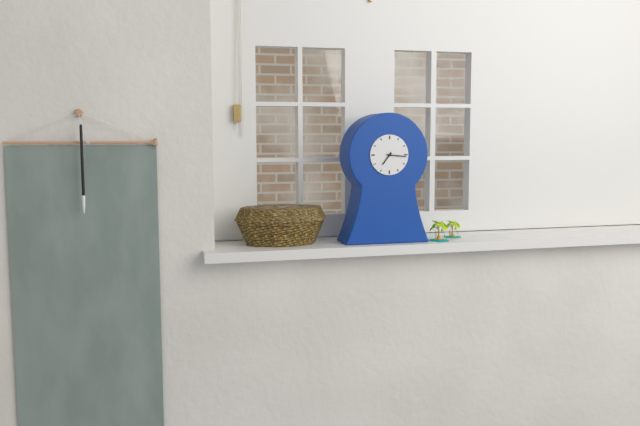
7h16
